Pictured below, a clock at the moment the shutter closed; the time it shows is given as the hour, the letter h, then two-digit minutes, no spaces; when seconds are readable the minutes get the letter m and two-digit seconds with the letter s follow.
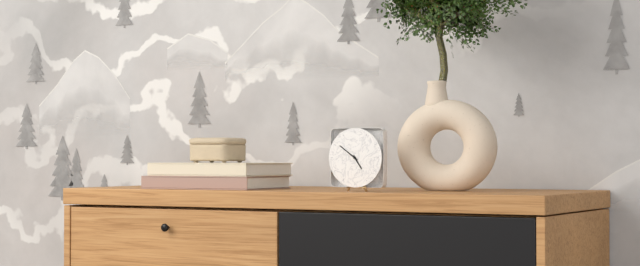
4h51
